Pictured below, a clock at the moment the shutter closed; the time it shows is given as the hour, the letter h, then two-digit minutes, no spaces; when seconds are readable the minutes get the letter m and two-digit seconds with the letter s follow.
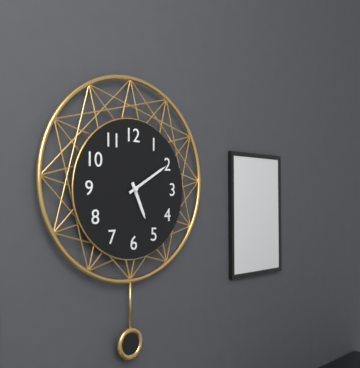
5h10
